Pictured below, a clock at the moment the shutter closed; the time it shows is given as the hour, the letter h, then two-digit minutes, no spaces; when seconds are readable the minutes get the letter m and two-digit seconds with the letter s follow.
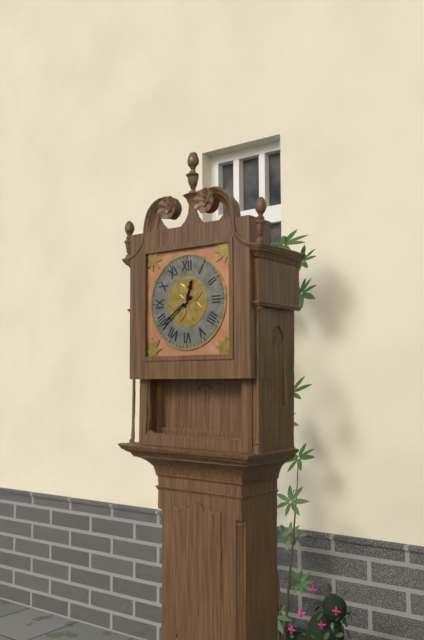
12h39
